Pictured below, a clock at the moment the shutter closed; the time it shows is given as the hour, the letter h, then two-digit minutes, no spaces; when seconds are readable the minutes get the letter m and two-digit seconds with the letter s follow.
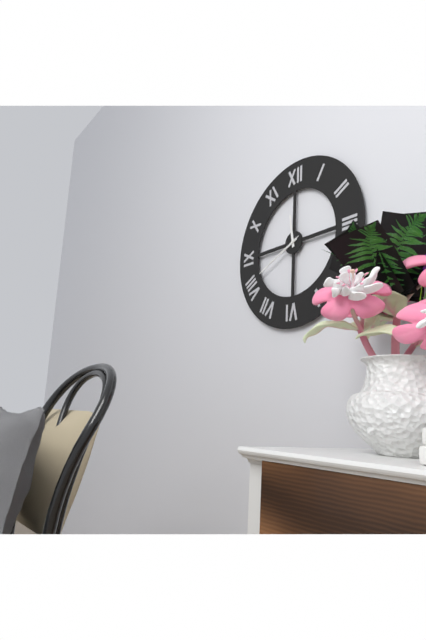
11h41
